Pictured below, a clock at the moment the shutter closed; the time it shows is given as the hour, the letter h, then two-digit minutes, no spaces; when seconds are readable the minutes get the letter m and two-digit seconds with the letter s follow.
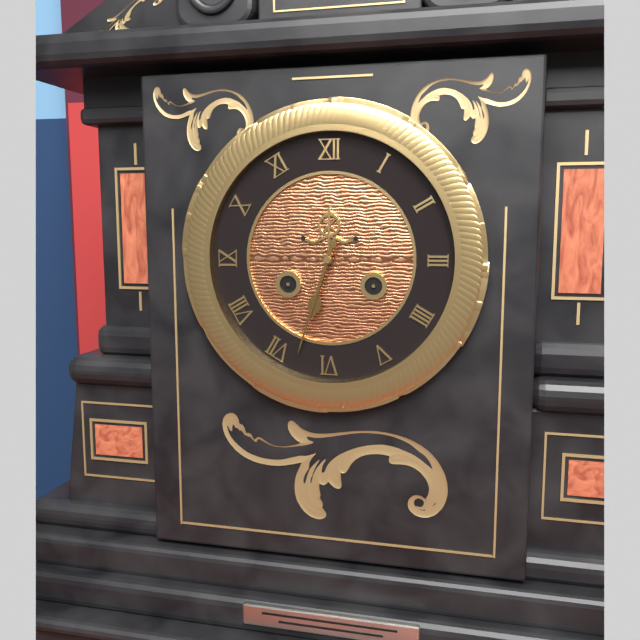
6h33
